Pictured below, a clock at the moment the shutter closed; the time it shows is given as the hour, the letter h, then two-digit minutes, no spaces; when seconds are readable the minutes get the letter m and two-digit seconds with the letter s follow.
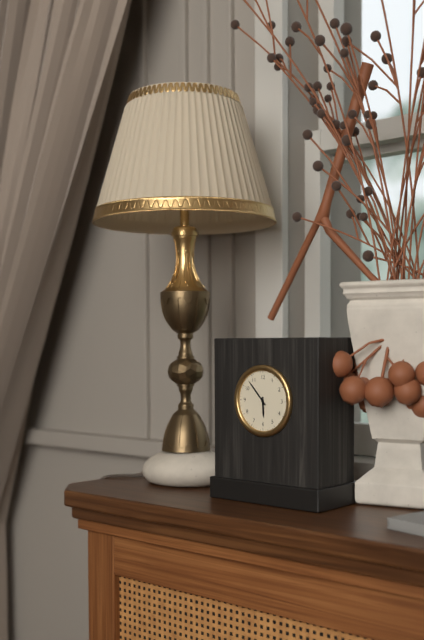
5h53
